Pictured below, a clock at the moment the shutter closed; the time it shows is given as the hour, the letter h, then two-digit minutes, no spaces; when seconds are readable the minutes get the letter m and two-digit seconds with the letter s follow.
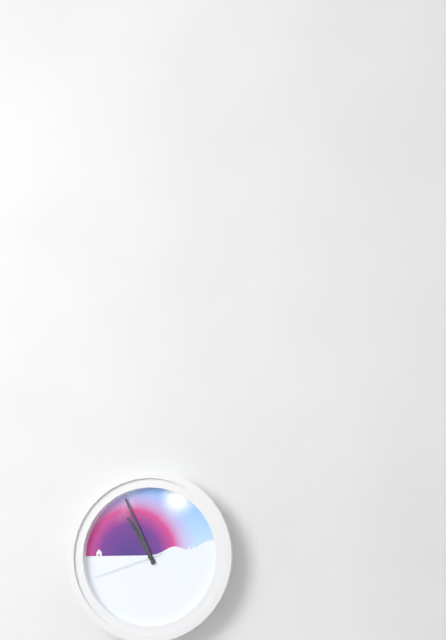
10h56m42s
